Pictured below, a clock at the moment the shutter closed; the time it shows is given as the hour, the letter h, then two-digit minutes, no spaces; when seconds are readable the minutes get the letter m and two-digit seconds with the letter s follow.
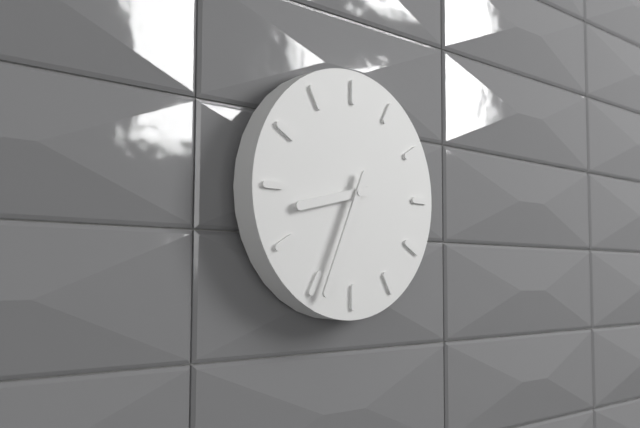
8h34
